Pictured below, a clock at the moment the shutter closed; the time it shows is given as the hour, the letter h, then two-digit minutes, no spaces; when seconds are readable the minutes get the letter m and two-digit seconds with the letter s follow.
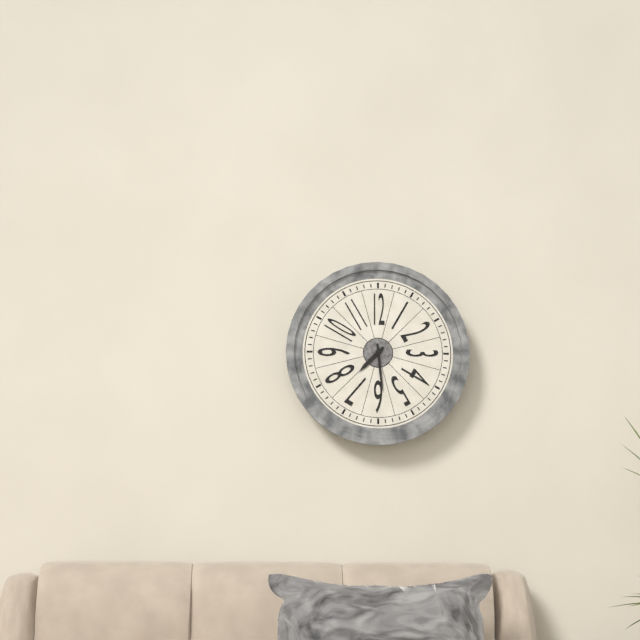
7h29
